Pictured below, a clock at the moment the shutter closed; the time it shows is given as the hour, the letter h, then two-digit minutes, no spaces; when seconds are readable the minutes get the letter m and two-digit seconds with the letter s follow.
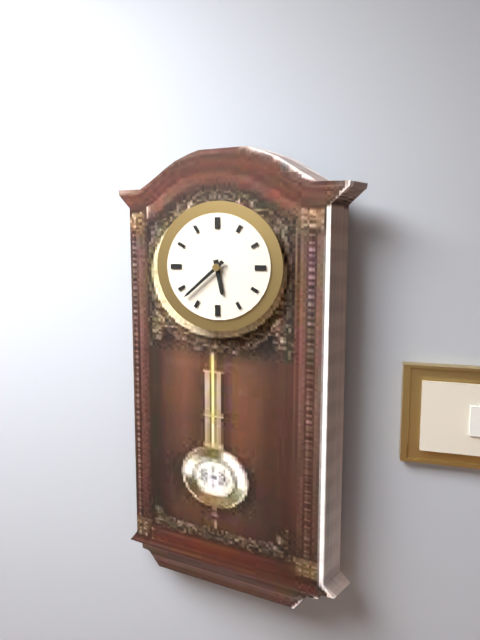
5h38
